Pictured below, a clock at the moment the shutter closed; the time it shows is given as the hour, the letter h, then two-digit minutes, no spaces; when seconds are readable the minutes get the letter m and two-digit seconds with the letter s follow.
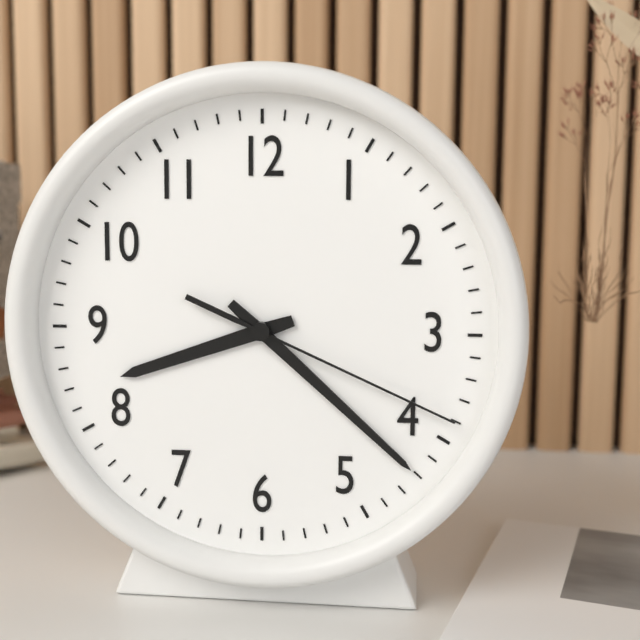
8h22m19s
